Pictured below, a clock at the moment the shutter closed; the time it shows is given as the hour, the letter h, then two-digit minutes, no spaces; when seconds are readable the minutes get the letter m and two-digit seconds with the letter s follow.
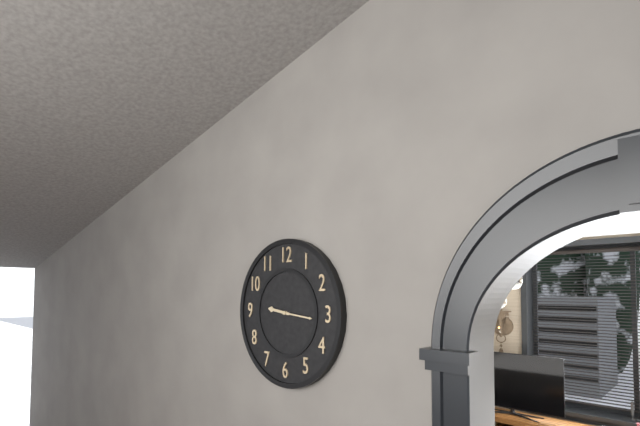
9h16
